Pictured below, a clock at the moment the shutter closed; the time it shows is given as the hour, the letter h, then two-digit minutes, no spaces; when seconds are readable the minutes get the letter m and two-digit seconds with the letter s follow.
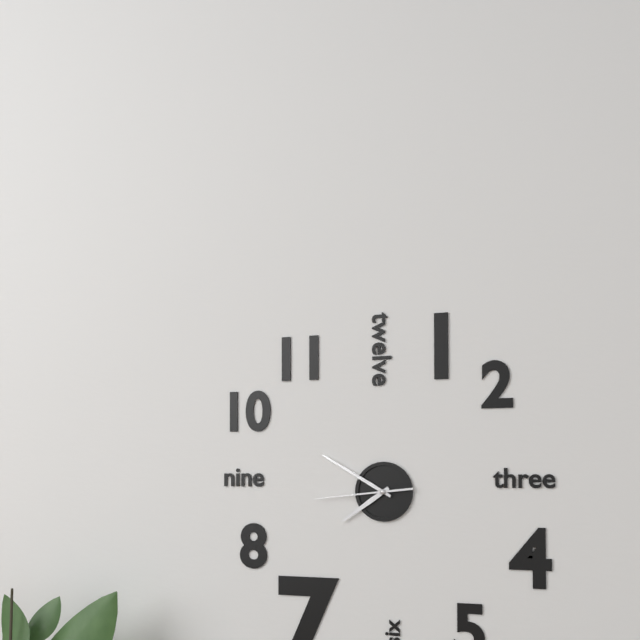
7h50m44s
